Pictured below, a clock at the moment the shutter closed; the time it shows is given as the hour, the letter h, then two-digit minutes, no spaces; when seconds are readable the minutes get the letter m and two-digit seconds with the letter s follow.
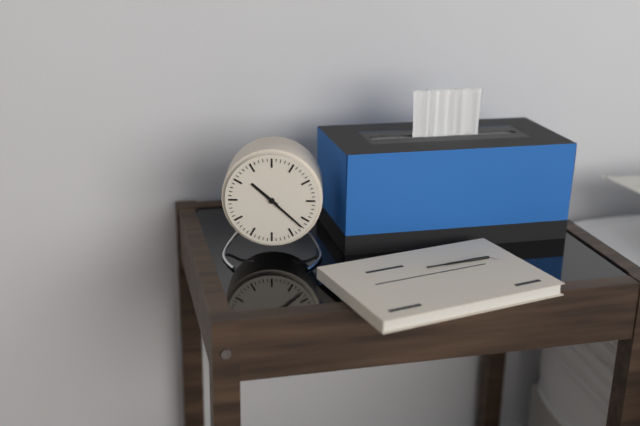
10h22
